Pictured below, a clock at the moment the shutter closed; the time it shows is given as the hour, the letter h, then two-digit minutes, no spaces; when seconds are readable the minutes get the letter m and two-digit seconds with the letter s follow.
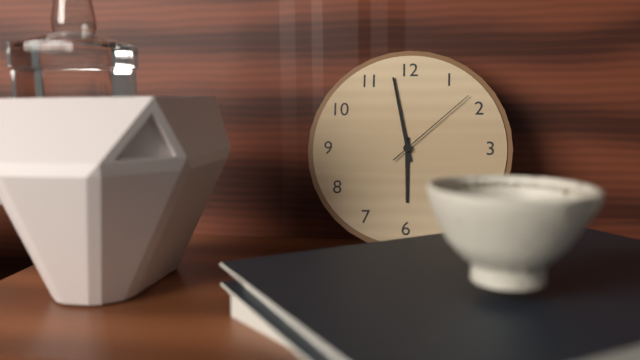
5h58m08s
